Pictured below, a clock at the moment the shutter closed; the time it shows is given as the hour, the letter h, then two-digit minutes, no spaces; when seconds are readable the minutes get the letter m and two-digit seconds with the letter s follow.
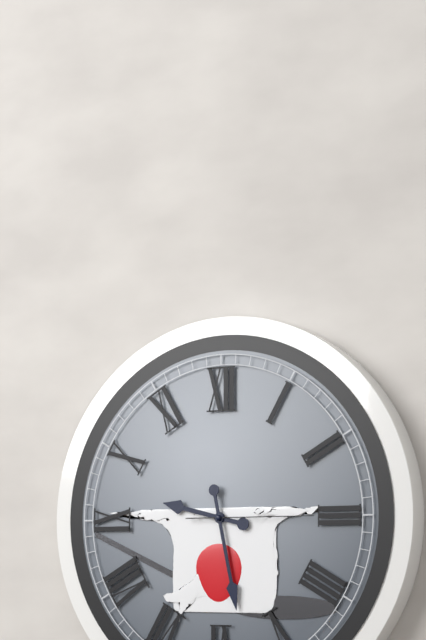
9h28m15s
